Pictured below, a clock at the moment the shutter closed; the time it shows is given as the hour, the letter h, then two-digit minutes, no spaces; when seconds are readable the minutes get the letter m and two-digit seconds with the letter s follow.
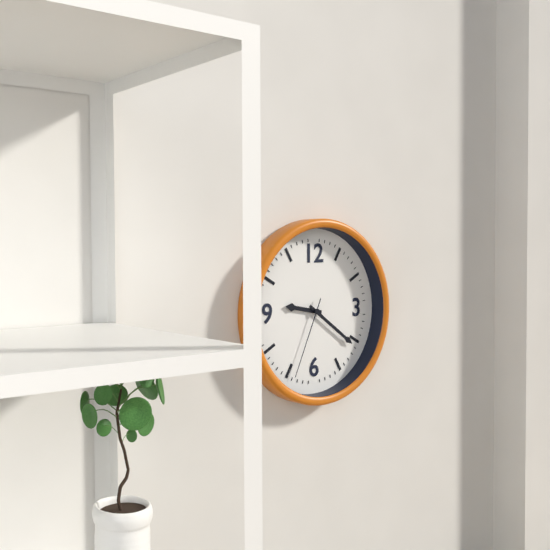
9h21m34s
